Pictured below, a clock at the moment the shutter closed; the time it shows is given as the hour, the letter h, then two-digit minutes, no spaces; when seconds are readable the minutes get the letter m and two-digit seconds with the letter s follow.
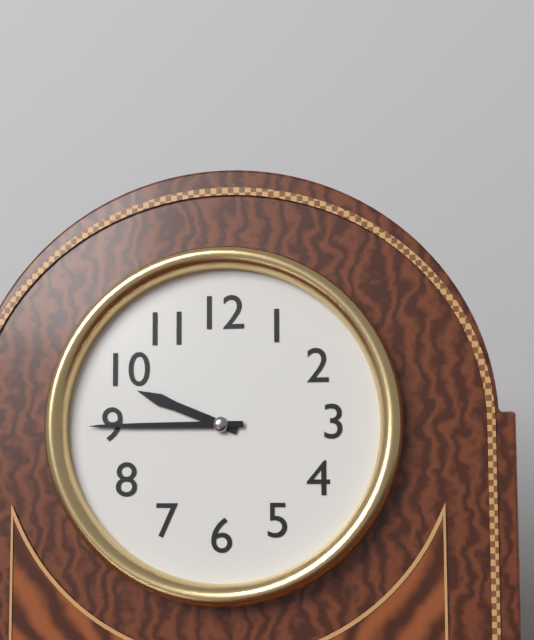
9h45
